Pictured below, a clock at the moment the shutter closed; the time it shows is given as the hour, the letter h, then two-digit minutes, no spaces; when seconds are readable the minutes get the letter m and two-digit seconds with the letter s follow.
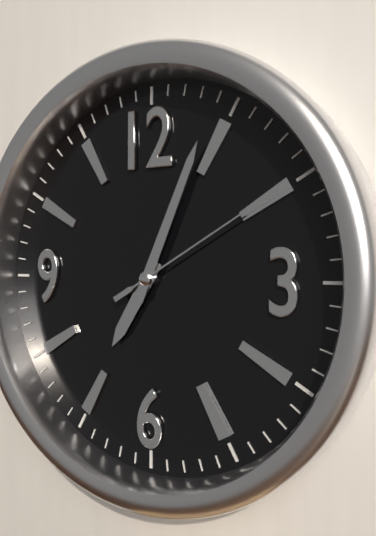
7h04m10s
